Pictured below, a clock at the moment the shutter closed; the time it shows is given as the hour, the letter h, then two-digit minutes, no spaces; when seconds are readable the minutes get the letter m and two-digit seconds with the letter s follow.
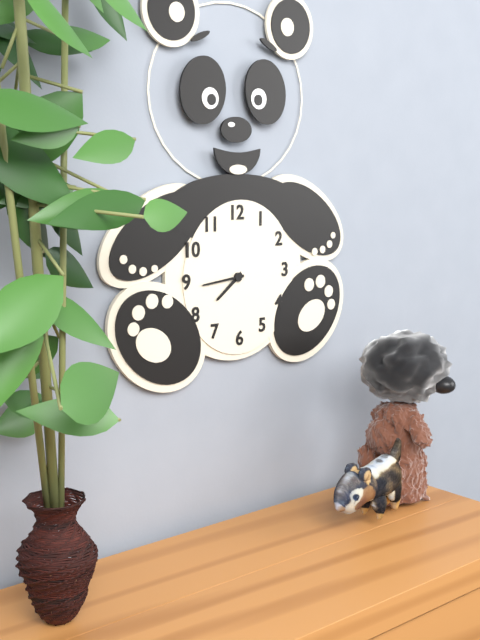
7h44
